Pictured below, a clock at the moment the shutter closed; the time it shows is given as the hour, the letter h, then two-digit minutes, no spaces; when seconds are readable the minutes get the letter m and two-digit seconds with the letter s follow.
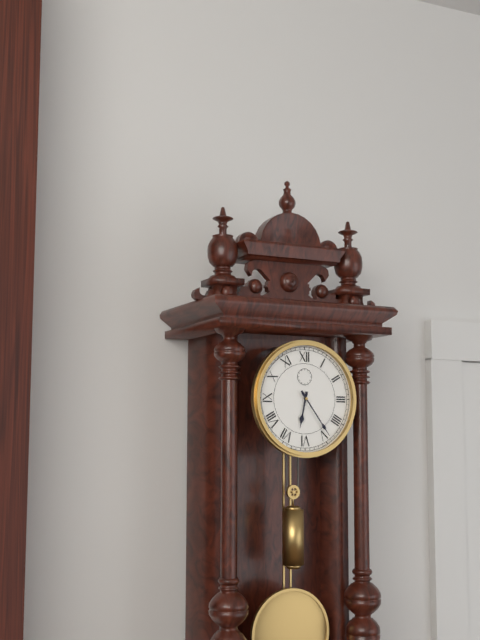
6h24
